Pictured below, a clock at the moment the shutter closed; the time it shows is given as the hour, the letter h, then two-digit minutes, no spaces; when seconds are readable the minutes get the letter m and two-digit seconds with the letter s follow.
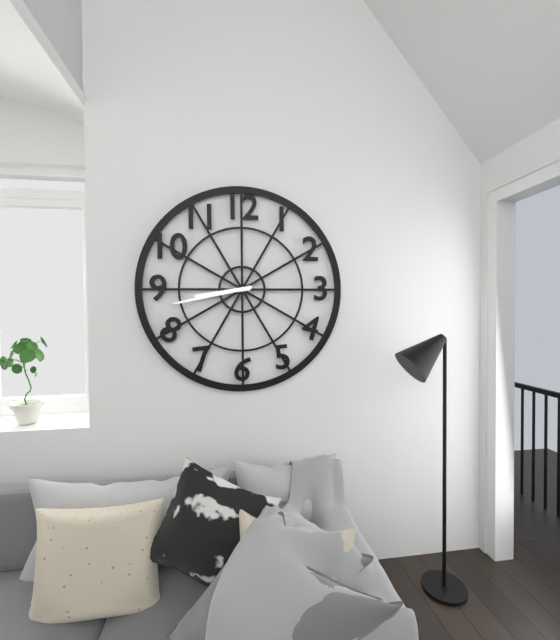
8h43
